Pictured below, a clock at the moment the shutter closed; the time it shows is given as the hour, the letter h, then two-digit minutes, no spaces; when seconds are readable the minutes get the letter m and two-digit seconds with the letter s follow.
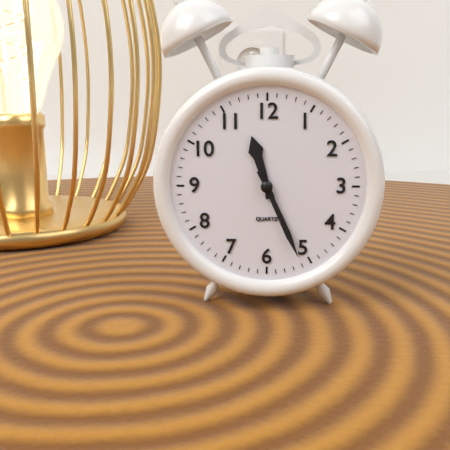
11h26
